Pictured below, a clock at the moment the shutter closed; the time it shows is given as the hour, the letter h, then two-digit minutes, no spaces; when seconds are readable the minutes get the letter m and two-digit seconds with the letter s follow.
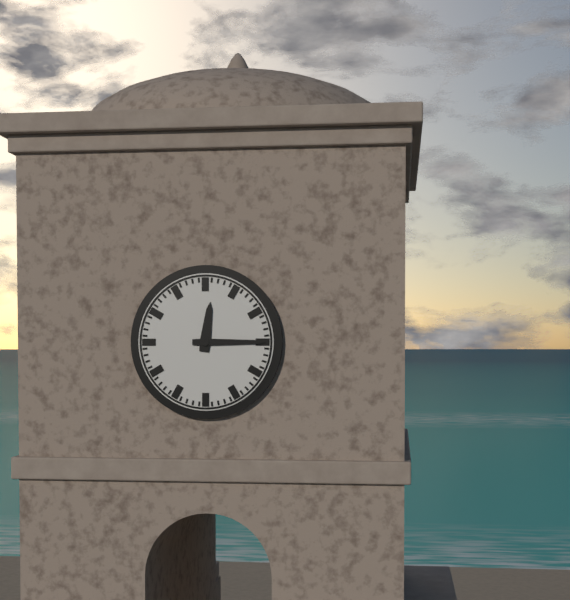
12h15
